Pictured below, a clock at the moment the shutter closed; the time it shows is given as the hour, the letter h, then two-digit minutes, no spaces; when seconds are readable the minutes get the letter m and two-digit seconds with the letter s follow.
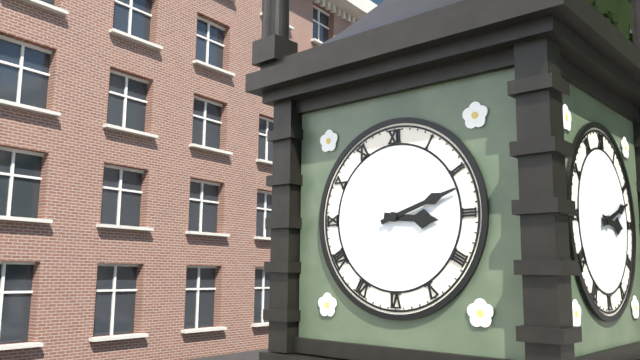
3h12
